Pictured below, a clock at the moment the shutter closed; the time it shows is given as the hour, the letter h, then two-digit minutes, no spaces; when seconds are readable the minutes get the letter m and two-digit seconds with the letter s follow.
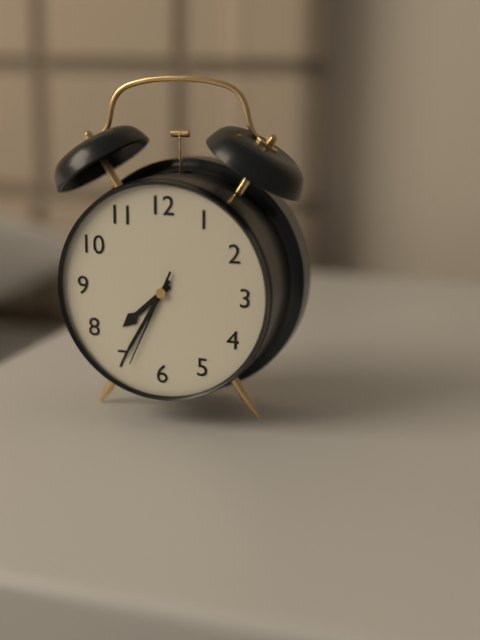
7h35m34s
